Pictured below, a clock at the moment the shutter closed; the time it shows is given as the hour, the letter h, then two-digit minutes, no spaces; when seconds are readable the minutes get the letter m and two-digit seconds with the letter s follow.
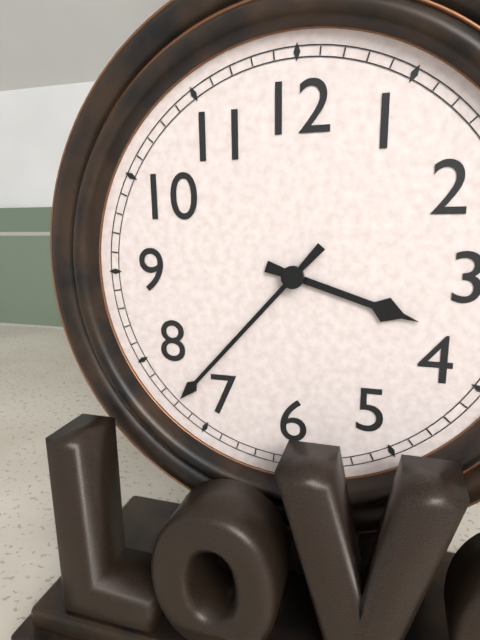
3h37
